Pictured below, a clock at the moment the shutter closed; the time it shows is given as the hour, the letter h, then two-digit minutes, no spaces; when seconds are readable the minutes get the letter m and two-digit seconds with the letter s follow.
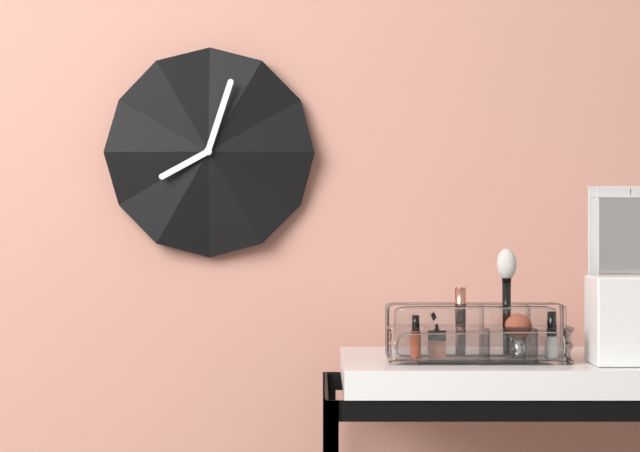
8h03
